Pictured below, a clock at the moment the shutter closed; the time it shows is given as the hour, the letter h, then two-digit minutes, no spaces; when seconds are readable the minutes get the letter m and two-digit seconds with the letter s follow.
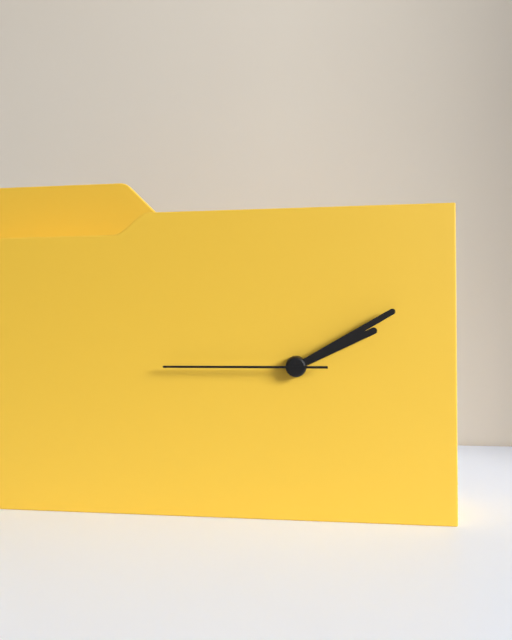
2h10m45s
